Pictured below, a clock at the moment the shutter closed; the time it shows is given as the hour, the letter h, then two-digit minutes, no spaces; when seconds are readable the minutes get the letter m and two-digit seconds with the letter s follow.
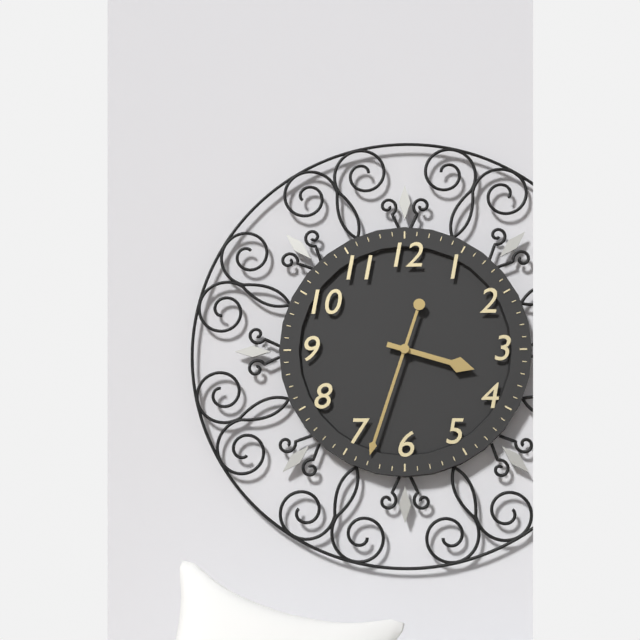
3h33
